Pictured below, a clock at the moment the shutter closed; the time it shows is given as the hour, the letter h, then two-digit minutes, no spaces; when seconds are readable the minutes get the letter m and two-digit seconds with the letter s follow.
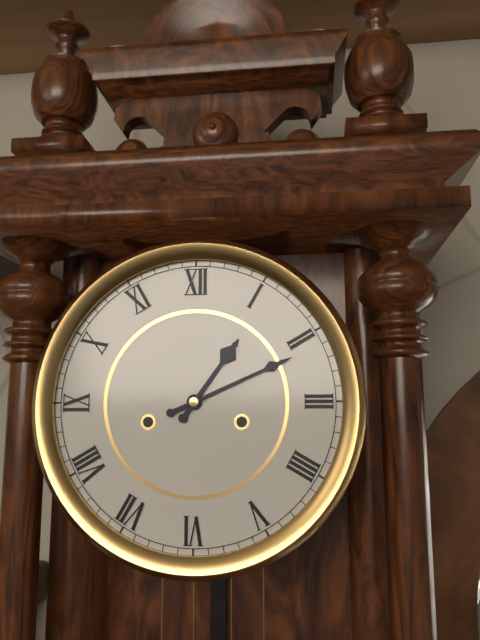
1h11
